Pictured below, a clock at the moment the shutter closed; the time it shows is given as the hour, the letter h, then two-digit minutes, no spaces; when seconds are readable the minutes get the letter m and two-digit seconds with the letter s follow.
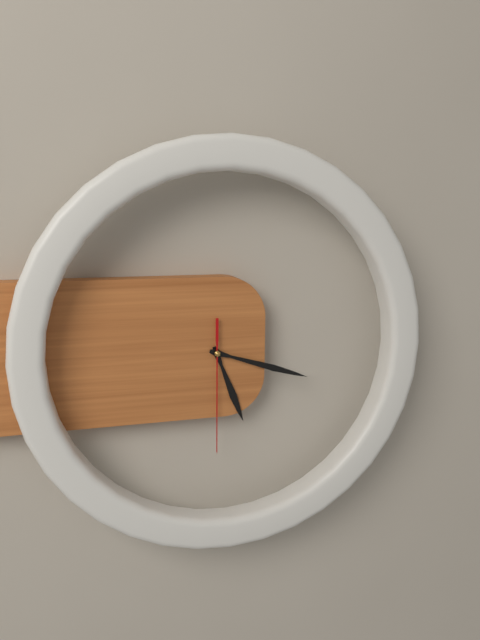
5h18m30s
